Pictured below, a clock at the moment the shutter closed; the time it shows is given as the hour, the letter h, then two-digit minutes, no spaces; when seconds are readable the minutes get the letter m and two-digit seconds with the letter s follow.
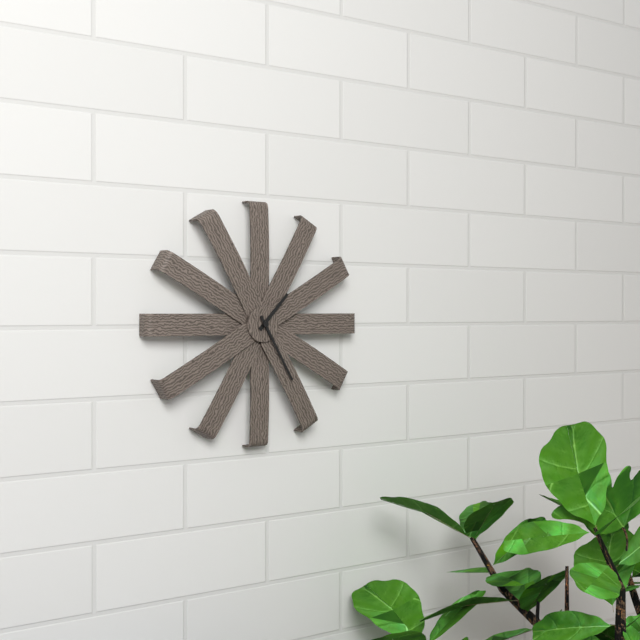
1h25
